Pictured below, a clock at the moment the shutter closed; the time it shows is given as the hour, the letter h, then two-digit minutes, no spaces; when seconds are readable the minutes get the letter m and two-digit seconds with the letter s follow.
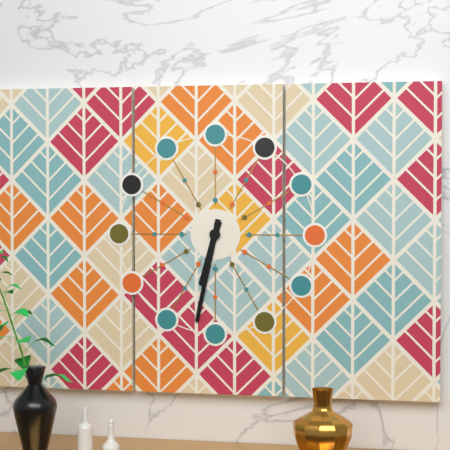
6h32
